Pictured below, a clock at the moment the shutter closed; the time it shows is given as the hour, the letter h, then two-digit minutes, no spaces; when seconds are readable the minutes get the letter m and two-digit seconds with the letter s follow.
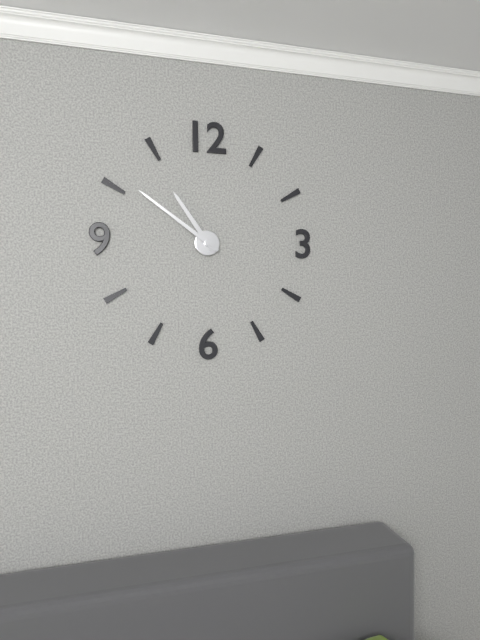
10h51
